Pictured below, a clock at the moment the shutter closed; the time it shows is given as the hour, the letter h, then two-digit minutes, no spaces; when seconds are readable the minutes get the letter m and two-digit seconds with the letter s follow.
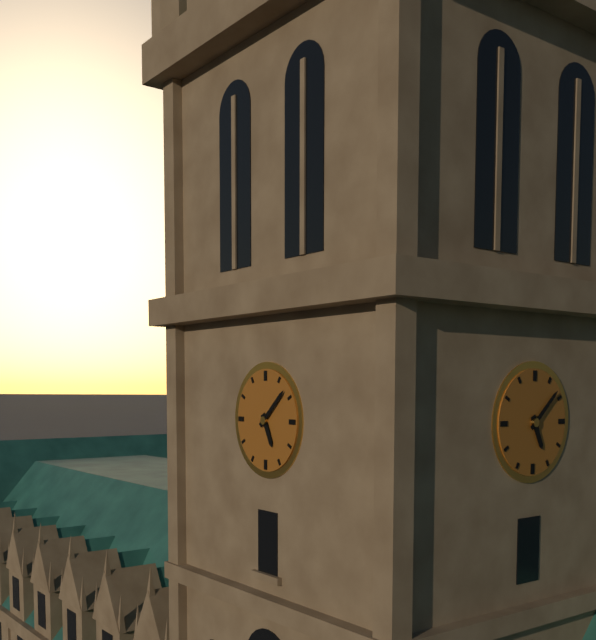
5h08
